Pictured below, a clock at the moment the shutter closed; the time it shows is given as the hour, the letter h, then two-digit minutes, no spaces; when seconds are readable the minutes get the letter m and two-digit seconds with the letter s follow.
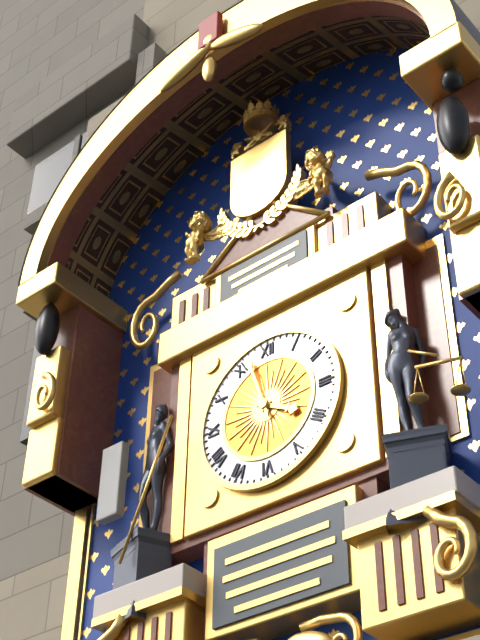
3h57
